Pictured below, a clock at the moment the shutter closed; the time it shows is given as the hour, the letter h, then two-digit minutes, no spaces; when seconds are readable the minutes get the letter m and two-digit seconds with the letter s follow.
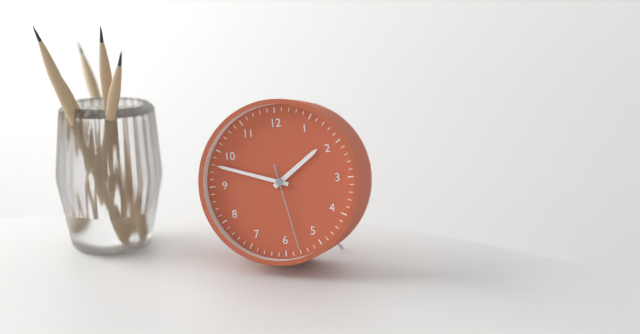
1h48m28s
